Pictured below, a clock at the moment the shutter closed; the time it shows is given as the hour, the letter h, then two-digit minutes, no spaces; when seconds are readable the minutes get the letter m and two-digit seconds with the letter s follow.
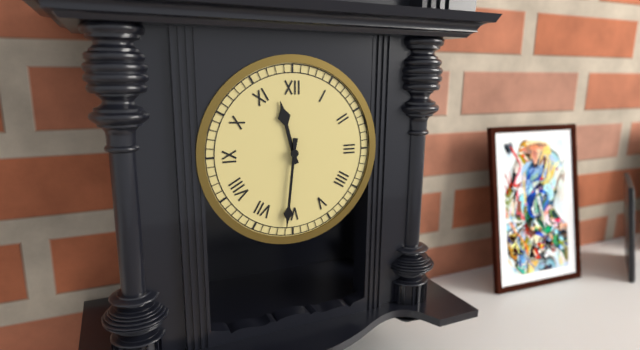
11h31
